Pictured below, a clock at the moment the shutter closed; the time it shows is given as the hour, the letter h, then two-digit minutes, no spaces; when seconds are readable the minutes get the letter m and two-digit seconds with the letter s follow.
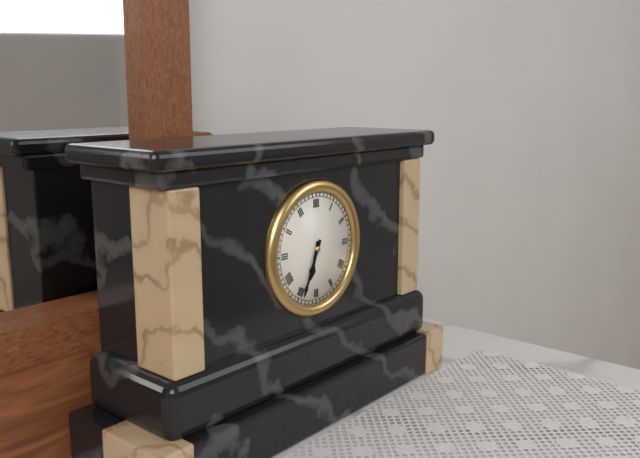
6h34
